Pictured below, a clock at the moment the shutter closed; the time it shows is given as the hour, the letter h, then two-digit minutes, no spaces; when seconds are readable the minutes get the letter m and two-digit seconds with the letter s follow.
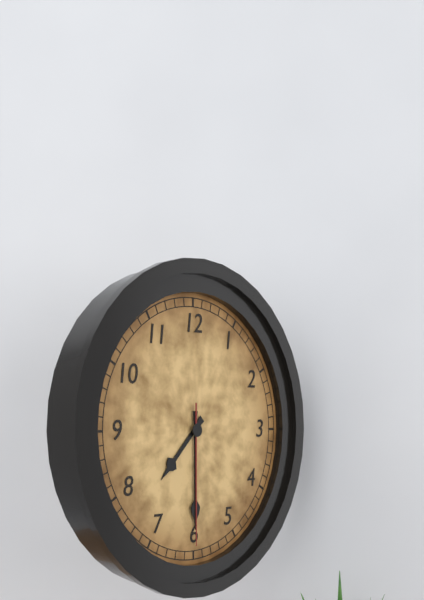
7h30m30s
